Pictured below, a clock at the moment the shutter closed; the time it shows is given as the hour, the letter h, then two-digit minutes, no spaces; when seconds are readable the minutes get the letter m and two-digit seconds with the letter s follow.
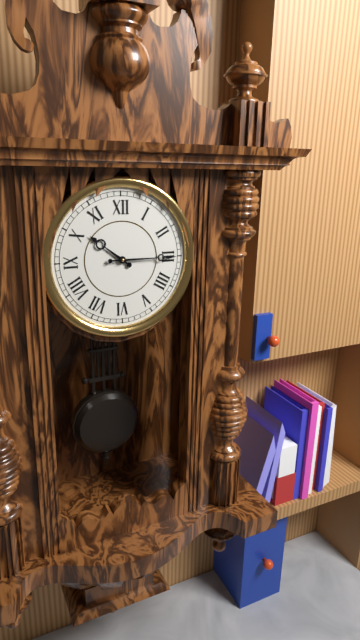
10h15
